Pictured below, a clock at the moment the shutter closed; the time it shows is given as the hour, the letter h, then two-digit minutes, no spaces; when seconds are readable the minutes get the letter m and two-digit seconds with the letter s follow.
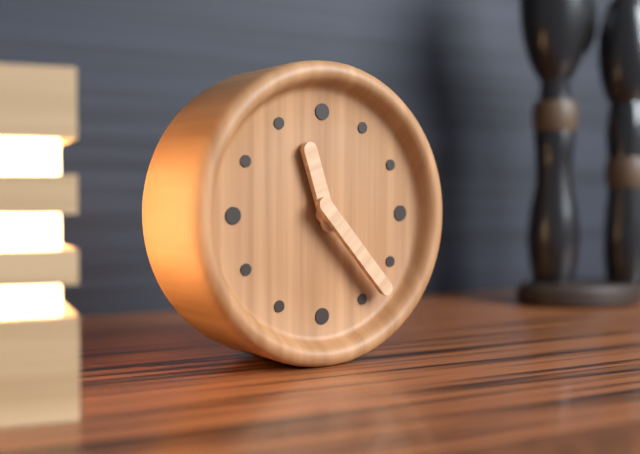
11h23
